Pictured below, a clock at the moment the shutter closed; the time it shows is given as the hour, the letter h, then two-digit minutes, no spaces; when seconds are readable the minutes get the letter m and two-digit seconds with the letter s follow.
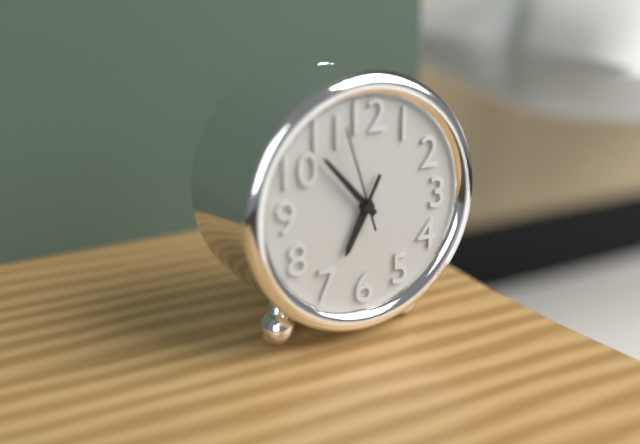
6h53m57s
